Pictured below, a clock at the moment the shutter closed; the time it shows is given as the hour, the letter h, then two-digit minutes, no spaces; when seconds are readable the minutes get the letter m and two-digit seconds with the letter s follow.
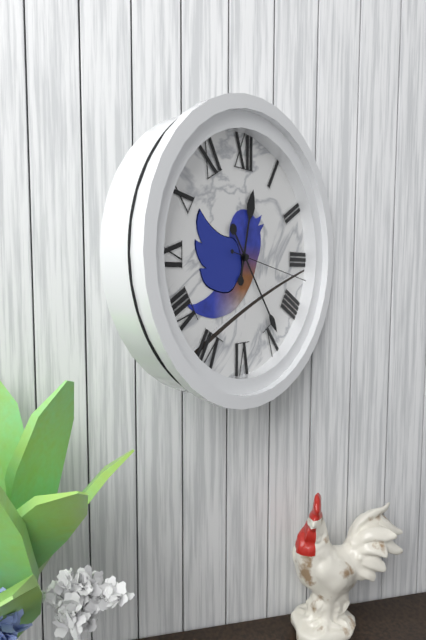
12h24m17s
